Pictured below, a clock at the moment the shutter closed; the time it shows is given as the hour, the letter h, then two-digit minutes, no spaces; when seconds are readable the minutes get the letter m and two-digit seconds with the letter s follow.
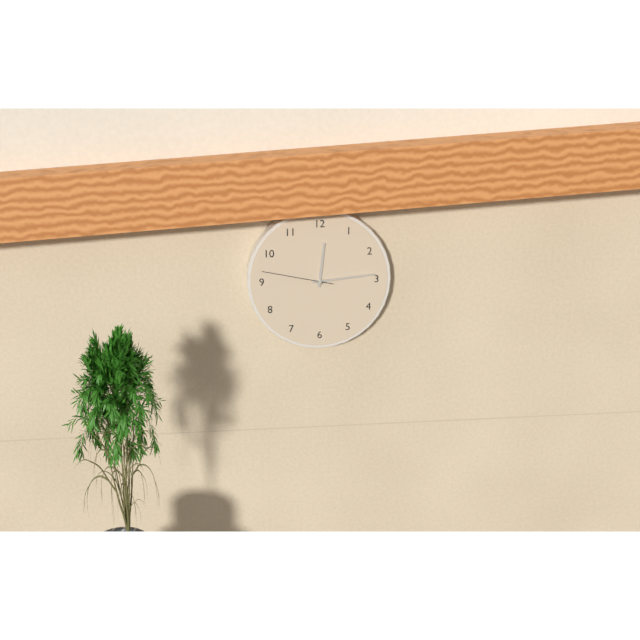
12h14m47s
